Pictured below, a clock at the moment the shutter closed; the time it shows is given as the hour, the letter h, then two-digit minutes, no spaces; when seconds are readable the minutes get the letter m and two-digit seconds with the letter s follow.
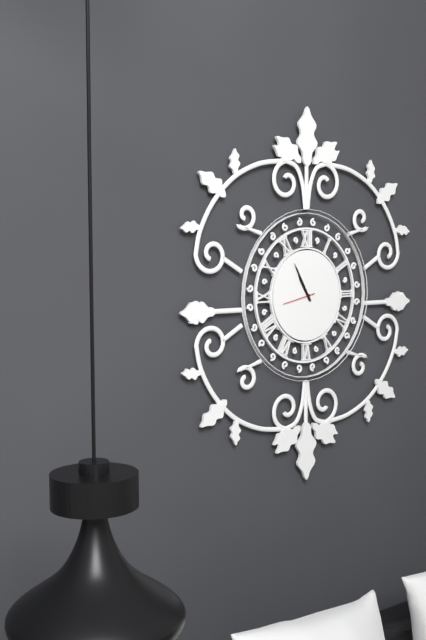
10h55
